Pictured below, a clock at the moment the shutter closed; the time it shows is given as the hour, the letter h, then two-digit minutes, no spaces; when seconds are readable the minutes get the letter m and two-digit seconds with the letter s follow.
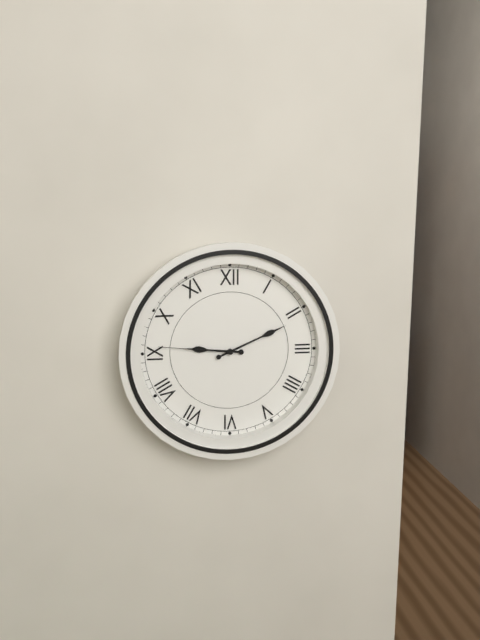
9h11m46s
